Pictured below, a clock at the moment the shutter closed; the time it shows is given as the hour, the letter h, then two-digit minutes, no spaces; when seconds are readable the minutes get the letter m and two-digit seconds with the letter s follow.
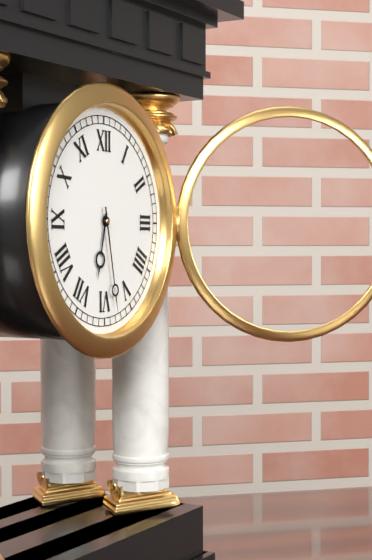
6h28
